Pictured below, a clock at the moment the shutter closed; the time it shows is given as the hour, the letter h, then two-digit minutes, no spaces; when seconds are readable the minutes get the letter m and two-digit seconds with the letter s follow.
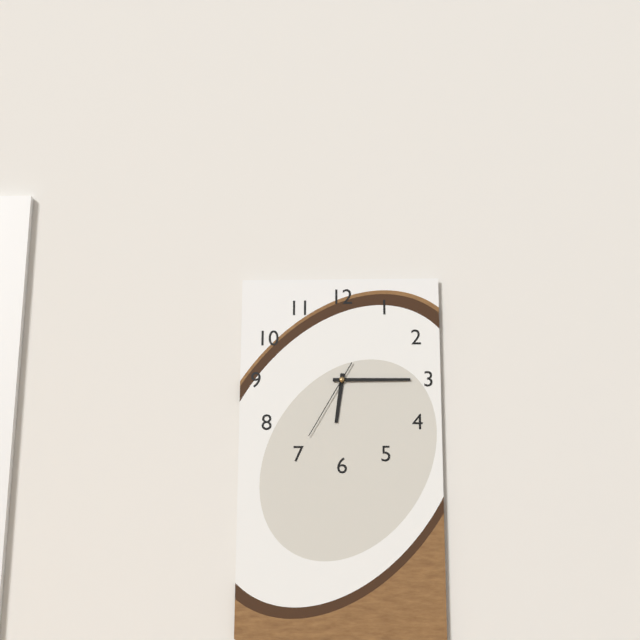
6h15m35s
